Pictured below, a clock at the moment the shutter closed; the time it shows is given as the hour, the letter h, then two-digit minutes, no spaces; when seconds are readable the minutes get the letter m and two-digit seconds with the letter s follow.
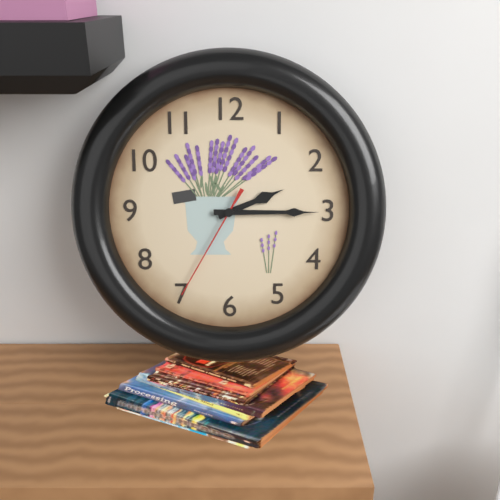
2h15m35s
